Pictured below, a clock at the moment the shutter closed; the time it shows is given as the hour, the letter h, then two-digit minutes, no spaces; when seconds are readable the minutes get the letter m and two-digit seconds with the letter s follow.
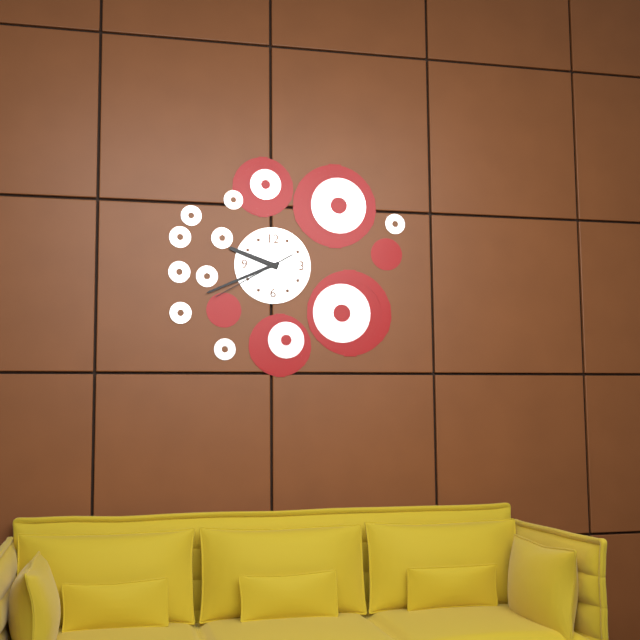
9h41m40s
